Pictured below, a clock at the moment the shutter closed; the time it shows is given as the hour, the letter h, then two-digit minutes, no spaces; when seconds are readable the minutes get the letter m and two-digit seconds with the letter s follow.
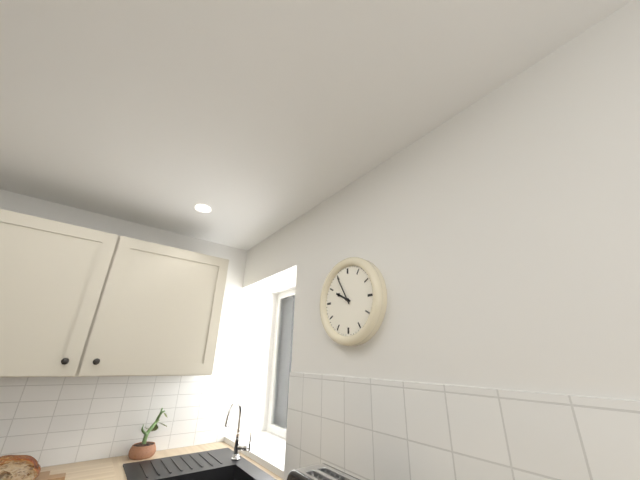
9h55
